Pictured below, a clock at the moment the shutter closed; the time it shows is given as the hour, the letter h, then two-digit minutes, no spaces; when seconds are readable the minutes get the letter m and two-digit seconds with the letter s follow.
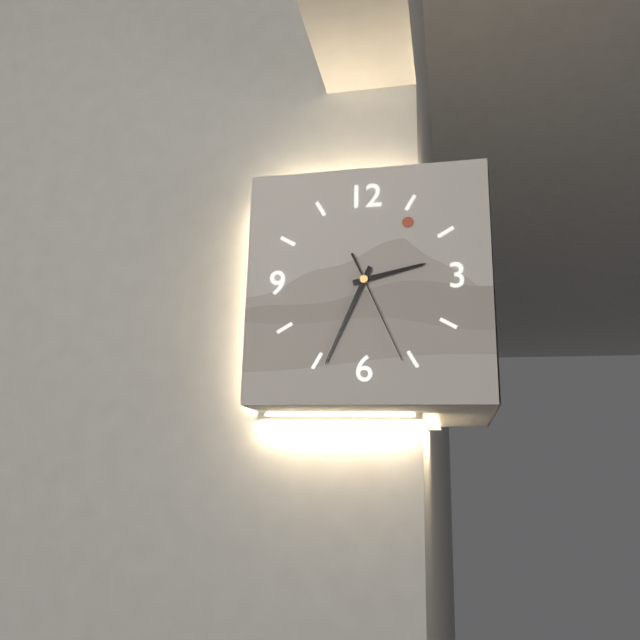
2h34m26s
